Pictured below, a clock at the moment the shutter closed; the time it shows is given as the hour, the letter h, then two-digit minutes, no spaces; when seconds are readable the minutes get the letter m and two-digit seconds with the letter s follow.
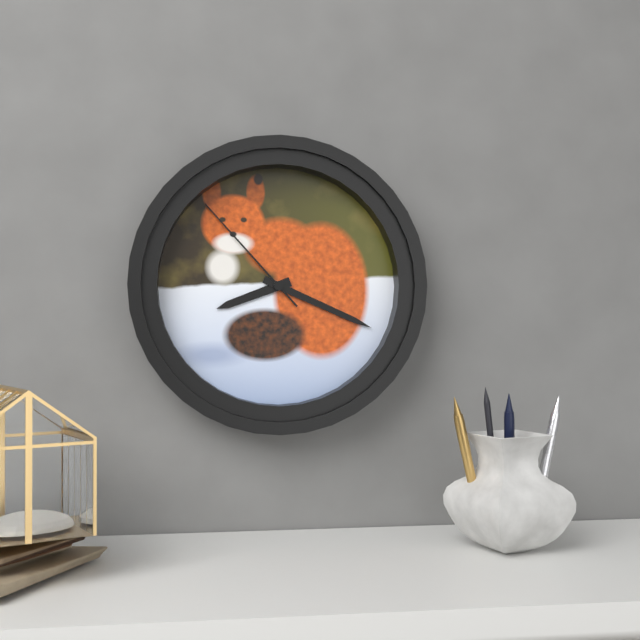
8h19m53s
